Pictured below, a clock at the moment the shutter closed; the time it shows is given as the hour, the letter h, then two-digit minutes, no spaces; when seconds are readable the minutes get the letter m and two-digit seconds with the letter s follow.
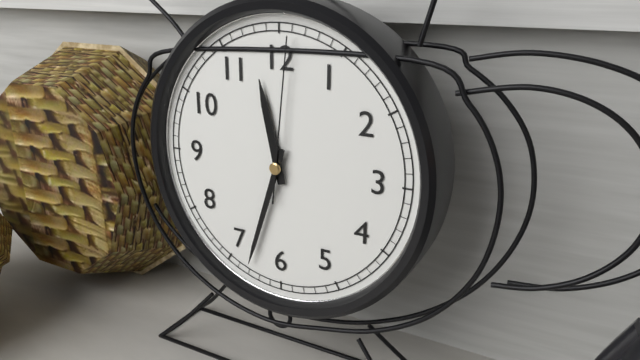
11h33m01s
